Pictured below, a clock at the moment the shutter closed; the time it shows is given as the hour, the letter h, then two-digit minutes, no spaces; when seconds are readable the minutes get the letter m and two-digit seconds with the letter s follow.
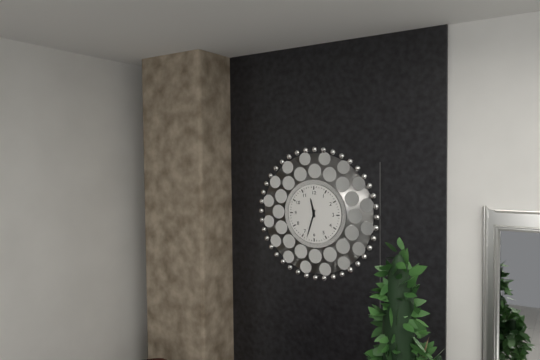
11h33
